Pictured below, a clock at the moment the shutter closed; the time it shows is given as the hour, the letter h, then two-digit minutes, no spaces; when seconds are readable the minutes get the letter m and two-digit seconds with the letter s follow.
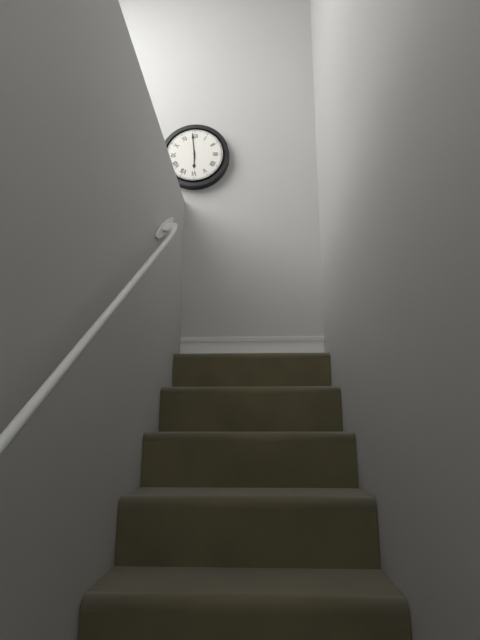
5h59
